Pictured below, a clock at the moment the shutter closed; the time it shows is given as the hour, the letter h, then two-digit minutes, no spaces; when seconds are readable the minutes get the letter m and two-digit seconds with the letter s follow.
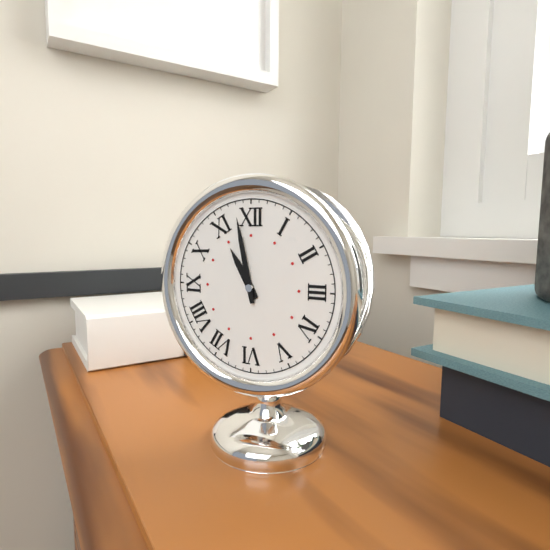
10h58
